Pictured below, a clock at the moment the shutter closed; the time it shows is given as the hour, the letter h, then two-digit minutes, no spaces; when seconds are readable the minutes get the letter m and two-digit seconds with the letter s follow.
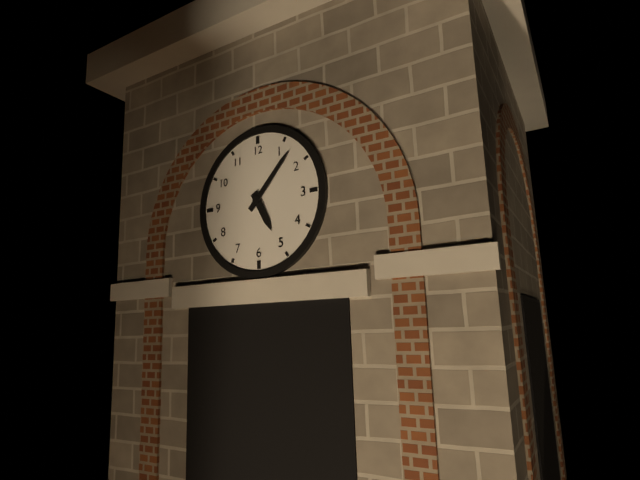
5h07
